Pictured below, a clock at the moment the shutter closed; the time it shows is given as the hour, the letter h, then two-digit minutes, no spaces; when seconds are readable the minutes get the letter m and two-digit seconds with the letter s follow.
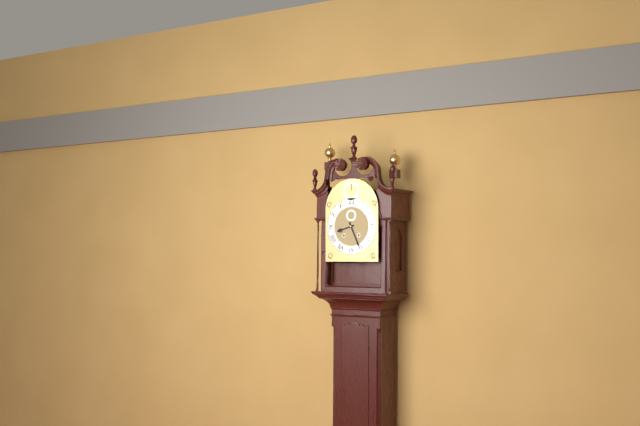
8h26
